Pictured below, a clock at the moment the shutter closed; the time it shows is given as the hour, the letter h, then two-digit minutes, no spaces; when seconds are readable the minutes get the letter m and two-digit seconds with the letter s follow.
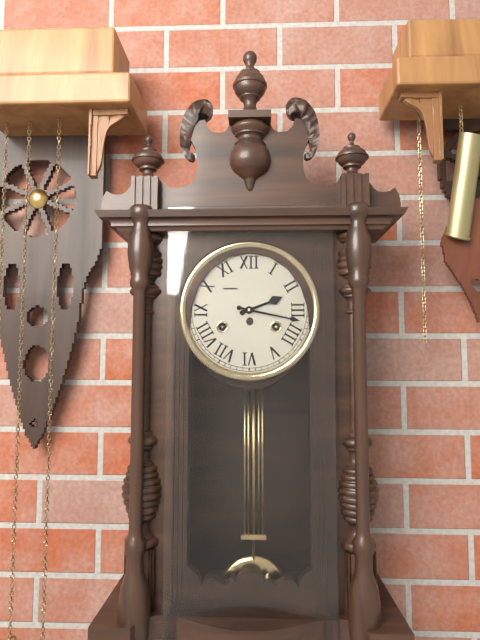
2h17
